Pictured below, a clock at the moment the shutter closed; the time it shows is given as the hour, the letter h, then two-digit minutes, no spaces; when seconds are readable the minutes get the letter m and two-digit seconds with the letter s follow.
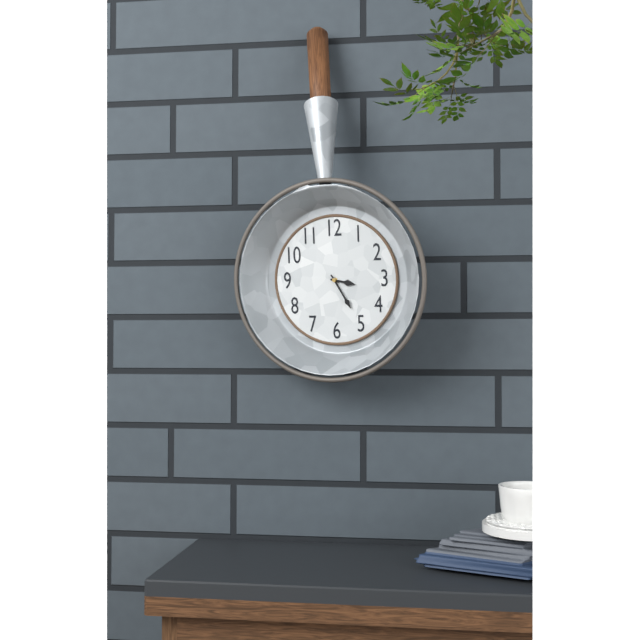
3h25
